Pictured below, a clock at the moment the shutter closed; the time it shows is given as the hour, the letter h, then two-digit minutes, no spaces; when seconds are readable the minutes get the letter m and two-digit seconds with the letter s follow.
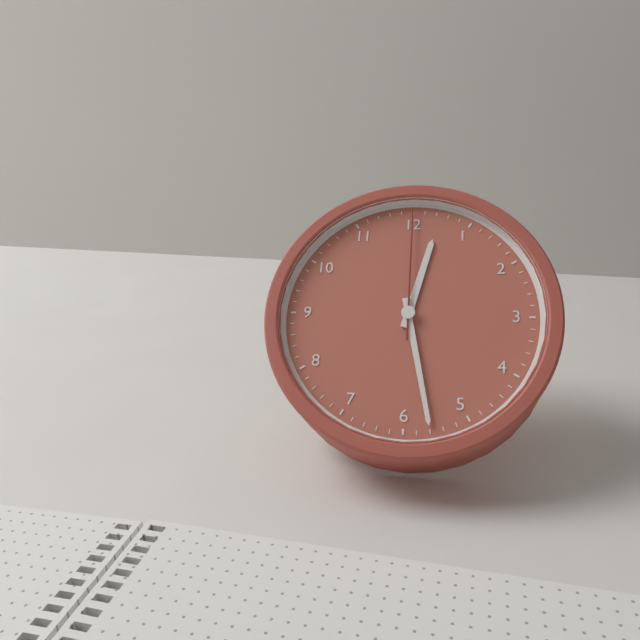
12h28m00s
